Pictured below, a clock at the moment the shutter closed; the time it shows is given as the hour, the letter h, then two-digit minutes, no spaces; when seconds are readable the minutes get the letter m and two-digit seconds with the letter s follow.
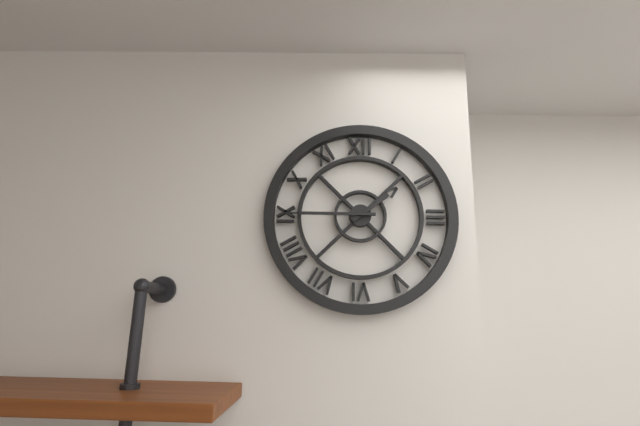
1h45
